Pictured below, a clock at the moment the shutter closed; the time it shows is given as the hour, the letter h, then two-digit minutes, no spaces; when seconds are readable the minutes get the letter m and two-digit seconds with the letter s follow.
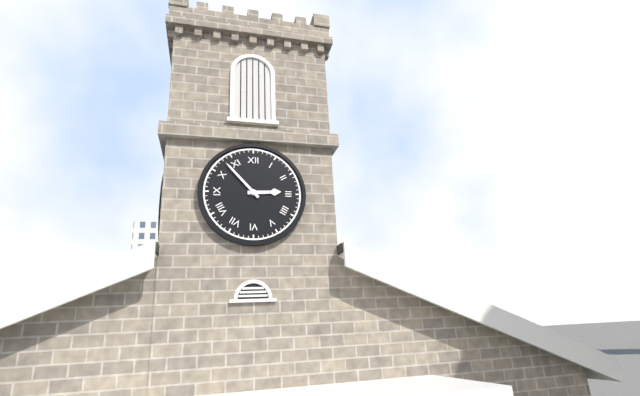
2h53
